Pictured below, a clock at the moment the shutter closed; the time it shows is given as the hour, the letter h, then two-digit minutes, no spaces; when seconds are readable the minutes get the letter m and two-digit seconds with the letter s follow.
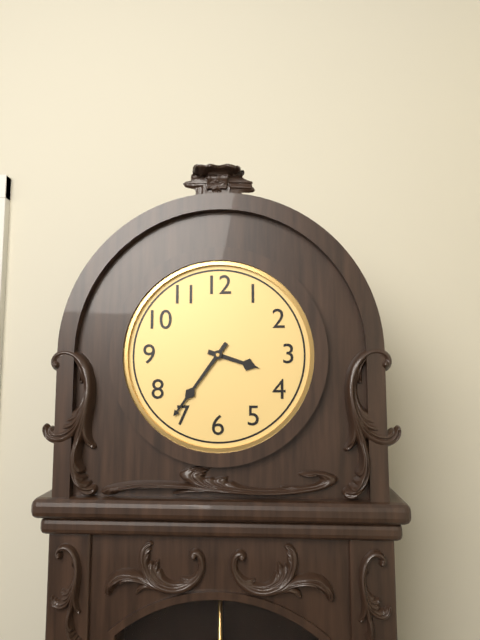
3h36
